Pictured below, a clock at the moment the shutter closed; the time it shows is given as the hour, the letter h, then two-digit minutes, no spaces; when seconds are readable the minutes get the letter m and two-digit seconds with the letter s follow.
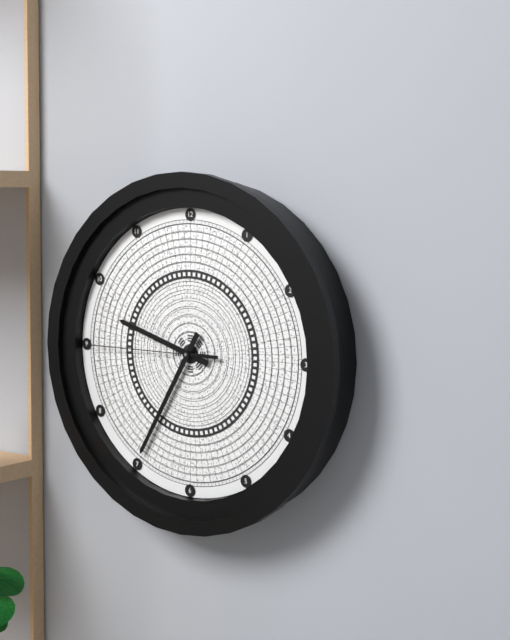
9h35m45s
